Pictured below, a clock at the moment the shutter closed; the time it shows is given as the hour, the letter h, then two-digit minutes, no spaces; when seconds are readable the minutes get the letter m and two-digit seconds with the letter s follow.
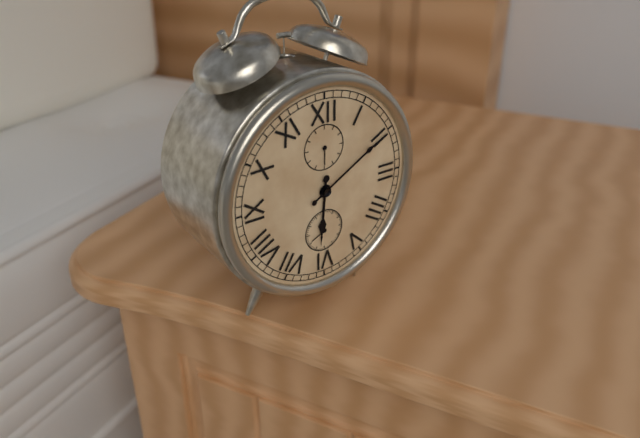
6h10
